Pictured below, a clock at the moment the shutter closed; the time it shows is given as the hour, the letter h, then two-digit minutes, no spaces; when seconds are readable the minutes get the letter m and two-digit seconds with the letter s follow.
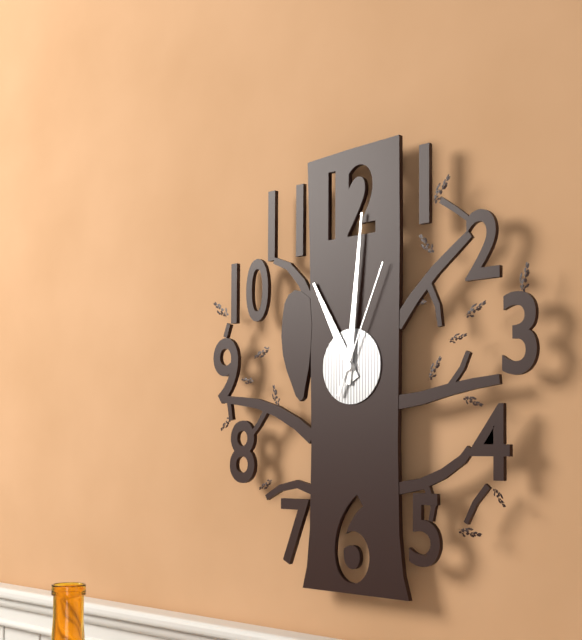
11h01m04s
